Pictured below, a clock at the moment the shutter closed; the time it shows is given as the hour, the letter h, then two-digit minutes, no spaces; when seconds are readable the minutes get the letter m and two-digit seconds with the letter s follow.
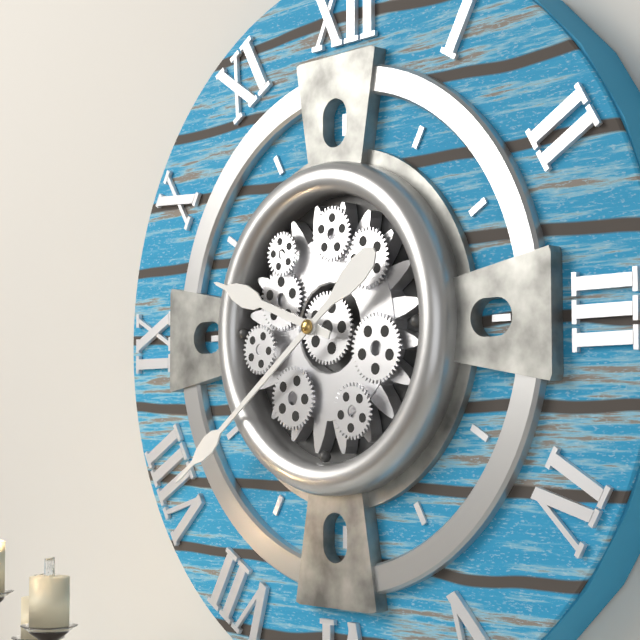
9h39
